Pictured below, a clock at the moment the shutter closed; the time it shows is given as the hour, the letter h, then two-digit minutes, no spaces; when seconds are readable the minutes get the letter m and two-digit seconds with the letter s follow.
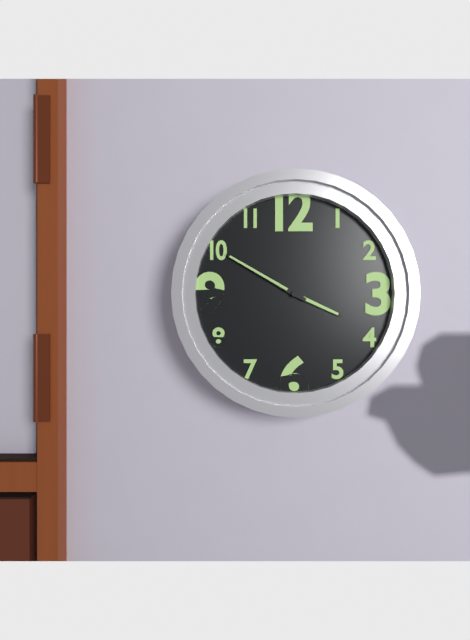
3h50
